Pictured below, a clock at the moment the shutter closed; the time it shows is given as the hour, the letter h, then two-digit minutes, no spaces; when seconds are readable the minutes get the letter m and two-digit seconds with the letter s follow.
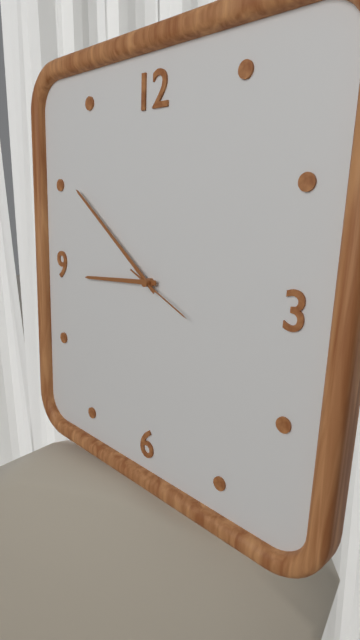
8h51m19s
